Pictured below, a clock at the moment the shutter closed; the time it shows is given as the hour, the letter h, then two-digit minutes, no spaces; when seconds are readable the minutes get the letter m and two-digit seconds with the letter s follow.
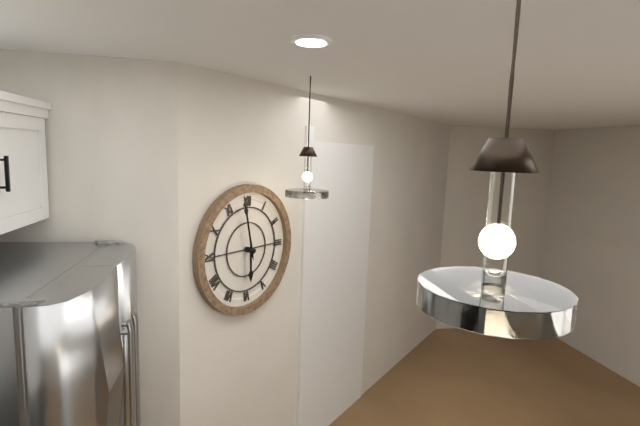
5h58
